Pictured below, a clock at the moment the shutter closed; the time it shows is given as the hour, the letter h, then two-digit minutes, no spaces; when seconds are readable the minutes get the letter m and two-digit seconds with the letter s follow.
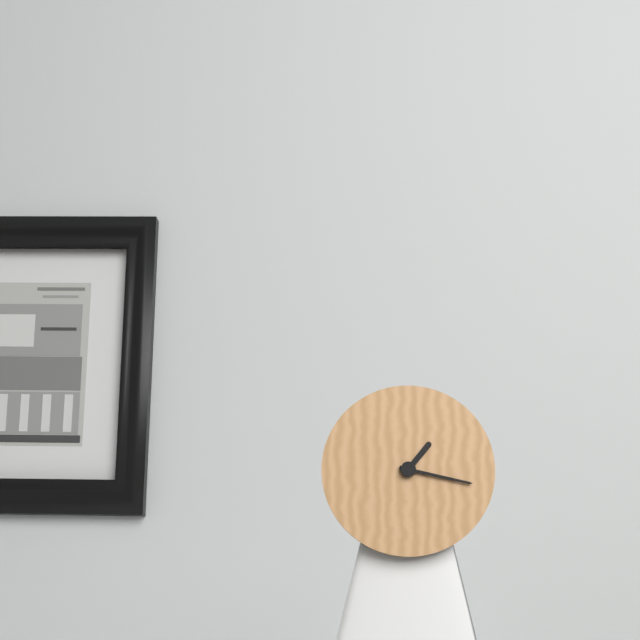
1h17
